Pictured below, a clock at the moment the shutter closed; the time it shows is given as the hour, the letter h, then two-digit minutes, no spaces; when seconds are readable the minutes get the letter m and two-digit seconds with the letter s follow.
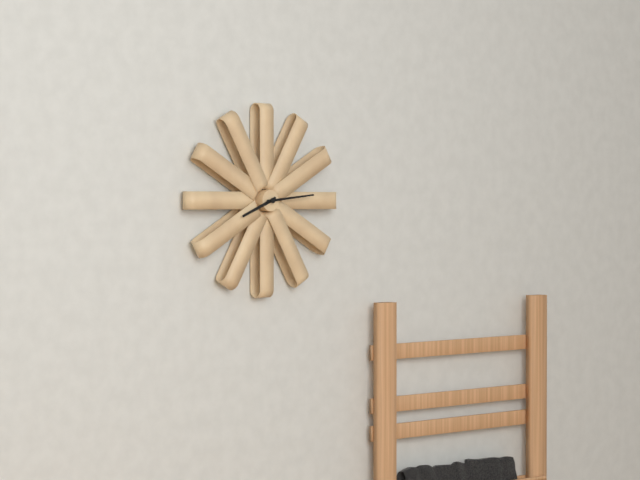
8h14
